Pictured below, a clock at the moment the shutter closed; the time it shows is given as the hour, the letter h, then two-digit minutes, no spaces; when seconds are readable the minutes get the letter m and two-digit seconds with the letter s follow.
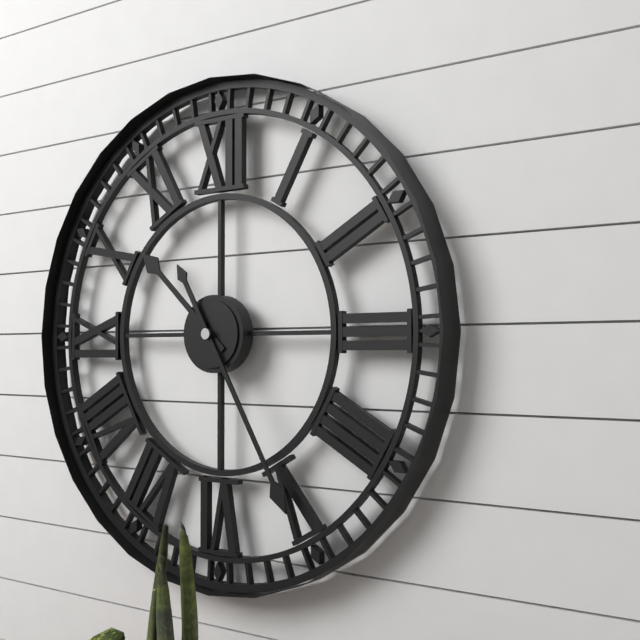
10h25
